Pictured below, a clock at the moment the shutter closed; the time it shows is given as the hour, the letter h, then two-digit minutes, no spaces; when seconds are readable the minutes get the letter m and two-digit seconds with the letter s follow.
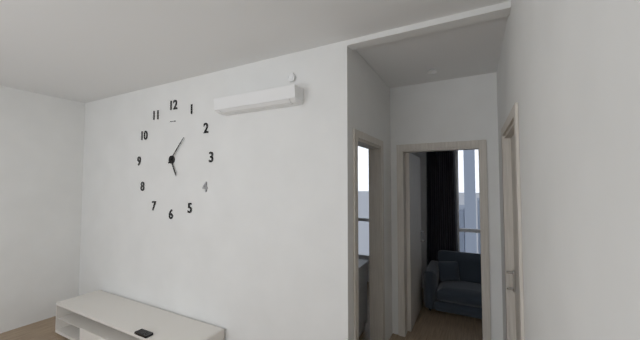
5h07
